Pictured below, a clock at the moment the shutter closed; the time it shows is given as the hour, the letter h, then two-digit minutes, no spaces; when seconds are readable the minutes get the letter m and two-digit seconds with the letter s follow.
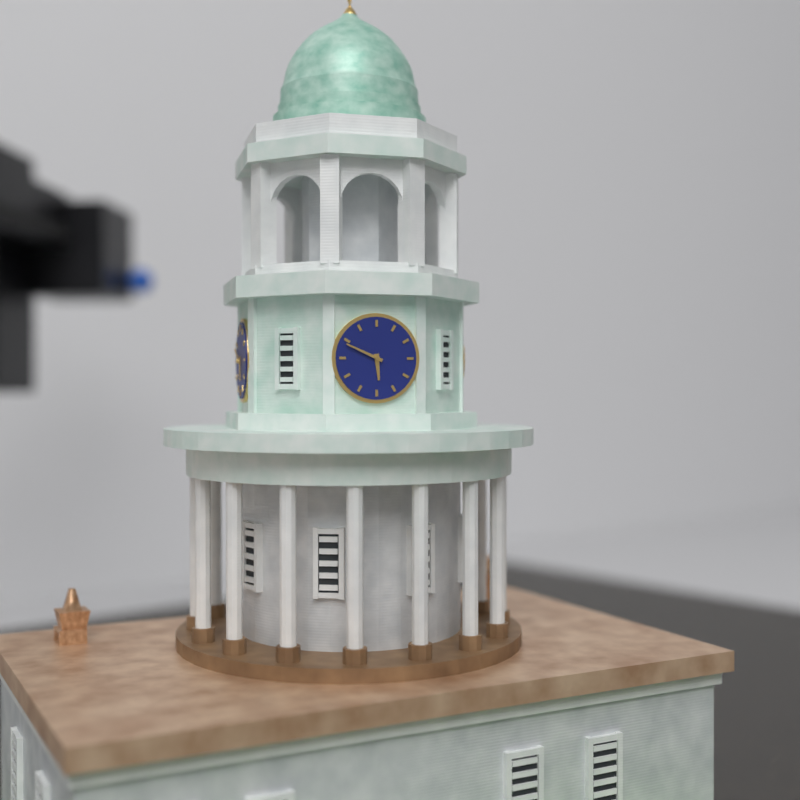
5h49
